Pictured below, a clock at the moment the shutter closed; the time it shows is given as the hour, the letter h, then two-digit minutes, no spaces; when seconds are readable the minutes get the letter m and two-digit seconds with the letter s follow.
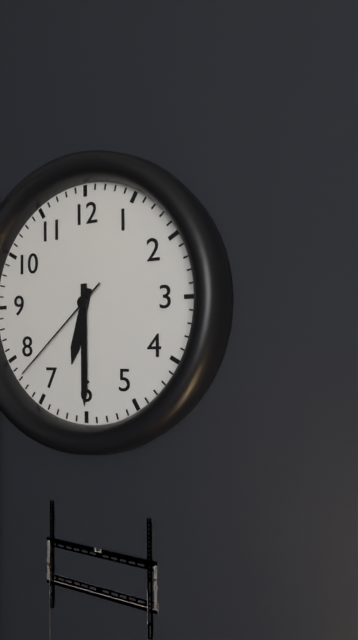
6h30m38s
